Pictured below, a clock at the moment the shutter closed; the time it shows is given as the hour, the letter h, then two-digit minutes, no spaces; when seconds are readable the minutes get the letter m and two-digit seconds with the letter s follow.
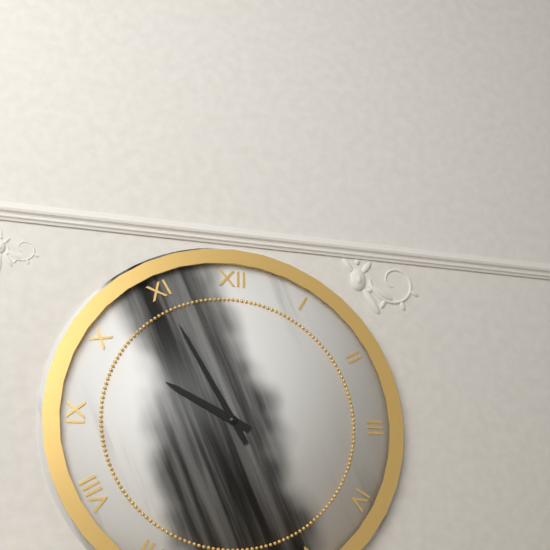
9h55
